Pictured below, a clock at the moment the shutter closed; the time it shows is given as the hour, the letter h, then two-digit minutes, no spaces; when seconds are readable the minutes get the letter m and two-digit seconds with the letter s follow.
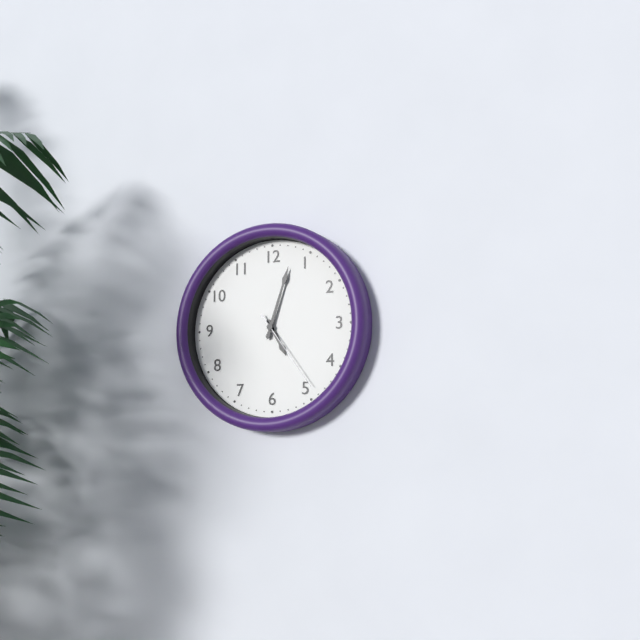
5h03m24s
